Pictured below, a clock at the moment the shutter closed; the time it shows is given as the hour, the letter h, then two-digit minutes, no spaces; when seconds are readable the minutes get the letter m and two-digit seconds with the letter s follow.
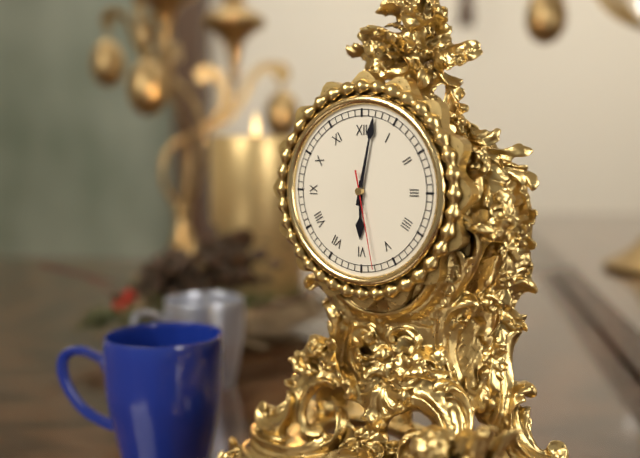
6h02m28s
